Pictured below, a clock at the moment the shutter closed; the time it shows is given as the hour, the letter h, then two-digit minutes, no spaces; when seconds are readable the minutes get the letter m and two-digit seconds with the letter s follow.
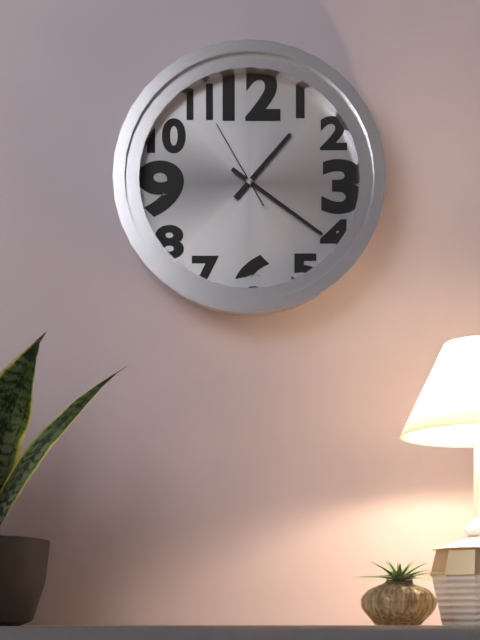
1h21m55s
